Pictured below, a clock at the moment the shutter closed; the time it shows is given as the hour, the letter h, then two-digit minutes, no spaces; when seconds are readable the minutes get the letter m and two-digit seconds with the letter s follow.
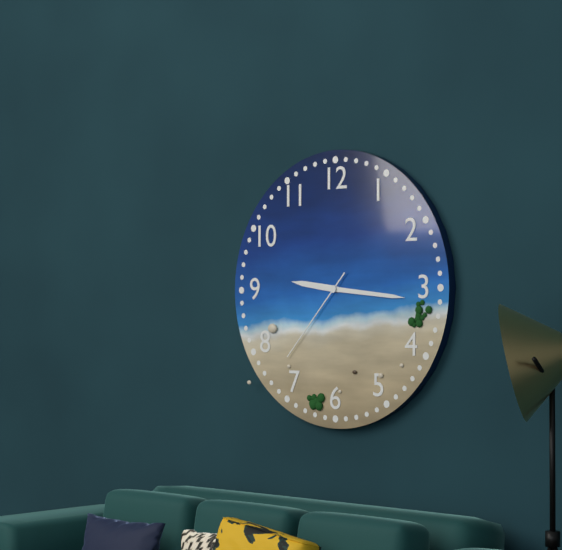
9h16m37s
